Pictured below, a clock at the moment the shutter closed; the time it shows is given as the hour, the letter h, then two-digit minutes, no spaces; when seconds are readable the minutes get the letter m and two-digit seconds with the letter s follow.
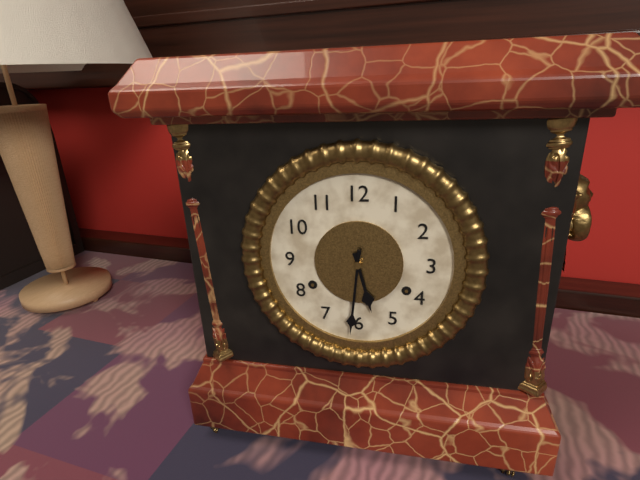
5h31
